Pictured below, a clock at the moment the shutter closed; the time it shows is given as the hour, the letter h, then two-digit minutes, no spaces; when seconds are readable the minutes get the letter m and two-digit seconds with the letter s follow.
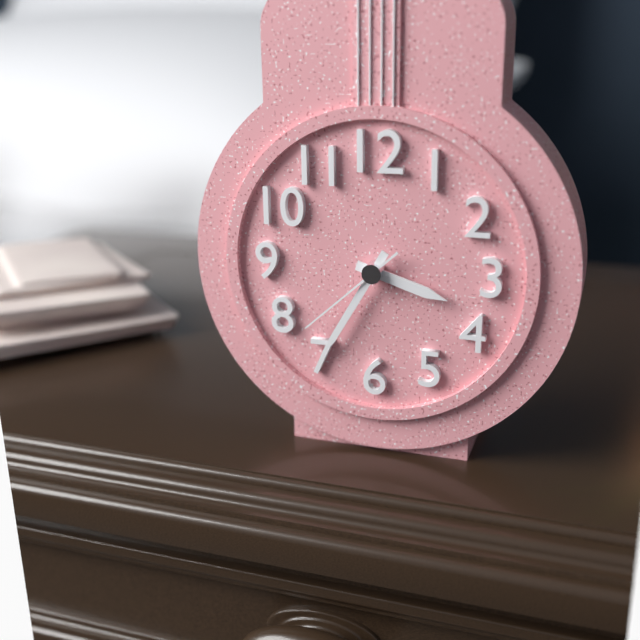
3h35m38s
